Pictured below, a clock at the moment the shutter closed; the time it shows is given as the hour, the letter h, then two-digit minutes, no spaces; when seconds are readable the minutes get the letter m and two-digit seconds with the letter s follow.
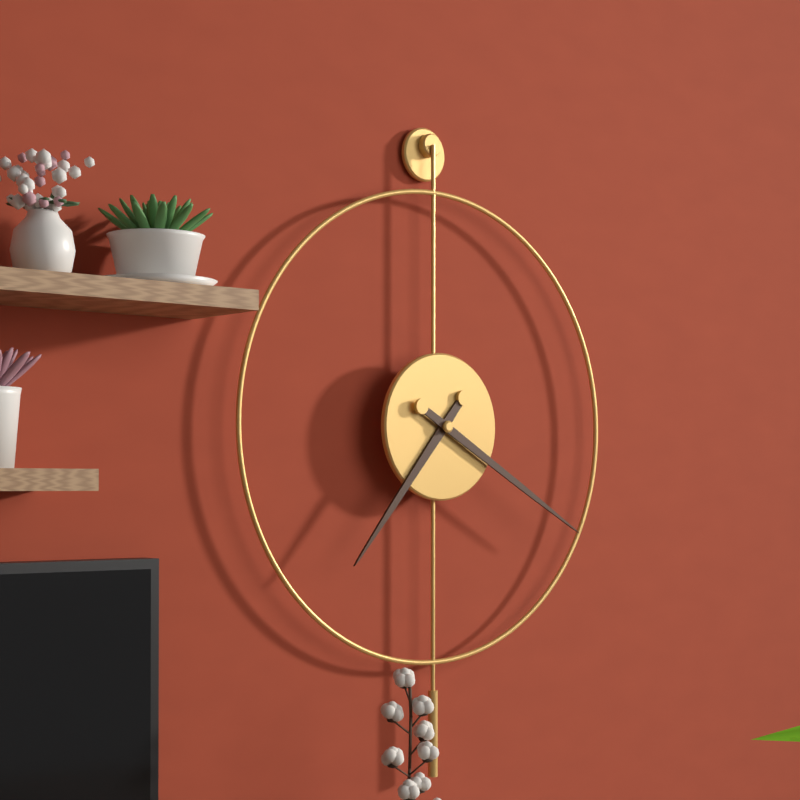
7h20
